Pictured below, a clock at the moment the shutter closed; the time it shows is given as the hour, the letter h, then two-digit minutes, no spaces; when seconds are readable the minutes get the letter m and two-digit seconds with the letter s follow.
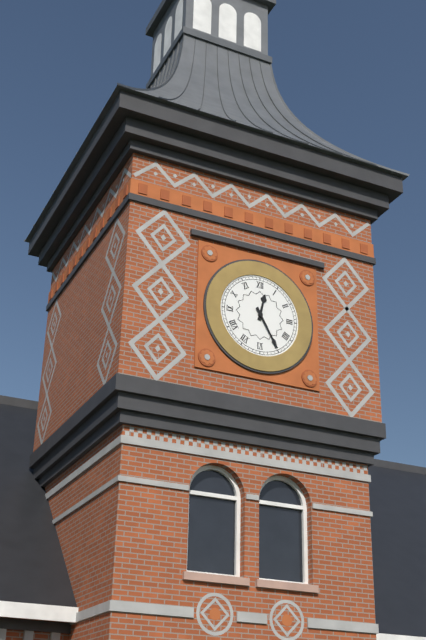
12h25
